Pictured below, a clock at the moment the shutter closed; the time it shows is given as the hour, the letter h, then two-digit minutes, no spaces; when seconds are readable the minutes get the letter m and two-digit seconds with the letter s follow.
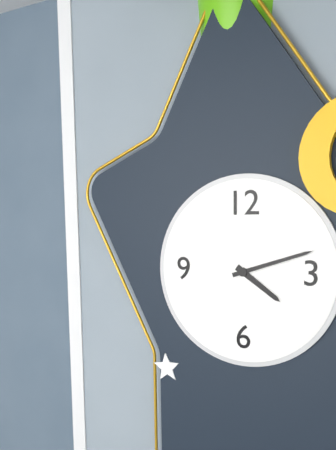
4h12
